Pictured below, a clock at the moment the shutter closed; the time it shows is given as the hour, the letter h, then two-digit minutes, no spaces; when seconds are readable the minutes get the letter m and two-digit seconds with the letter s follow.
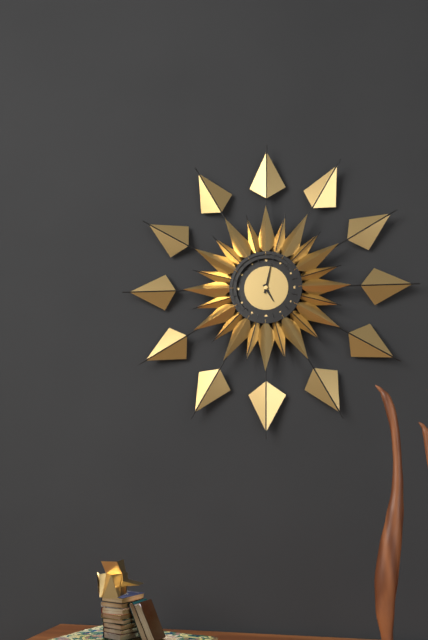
5h02
